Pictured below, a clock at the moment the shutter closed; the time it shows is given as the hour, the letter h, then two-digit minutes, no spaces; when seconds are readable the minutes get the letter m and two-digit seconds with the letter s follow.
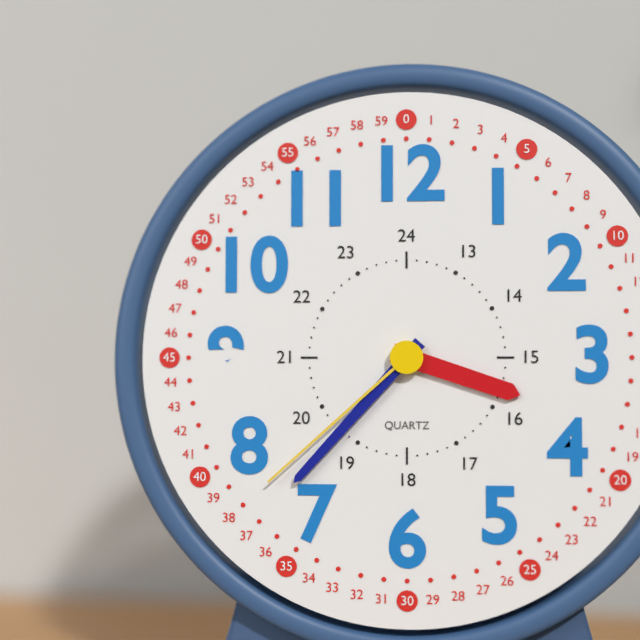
3h37m38s
